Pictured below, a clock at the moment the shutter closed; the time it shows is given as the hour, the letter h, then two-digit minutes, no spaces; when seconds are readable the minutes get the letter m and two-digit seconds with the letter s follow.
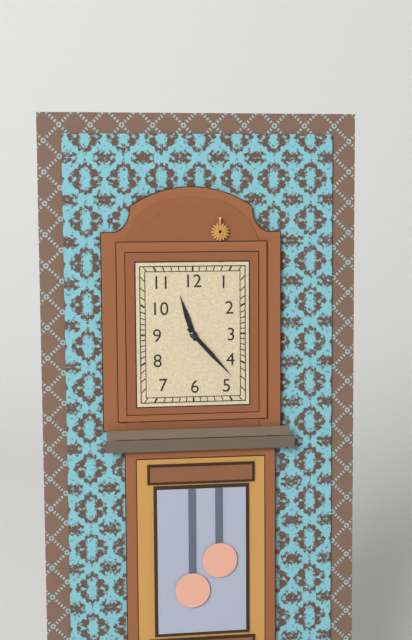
11h23
